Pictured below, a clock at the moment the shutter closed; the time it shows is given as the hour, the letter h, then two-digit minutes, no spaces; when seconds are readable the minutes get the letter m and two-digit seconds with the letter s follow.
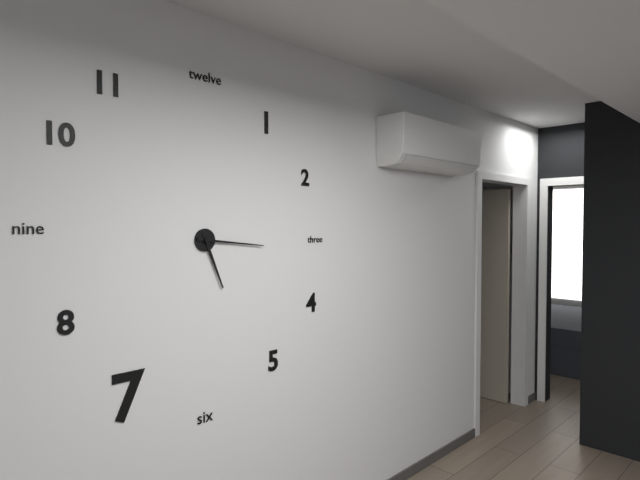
5h16
